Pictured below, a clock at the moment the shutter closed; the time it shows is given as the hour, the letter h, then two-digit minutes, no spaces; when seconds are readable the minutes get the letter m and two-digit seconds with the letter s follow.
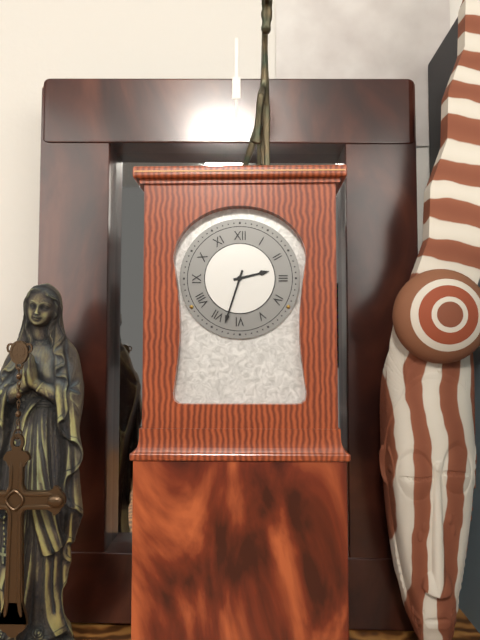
2h33
